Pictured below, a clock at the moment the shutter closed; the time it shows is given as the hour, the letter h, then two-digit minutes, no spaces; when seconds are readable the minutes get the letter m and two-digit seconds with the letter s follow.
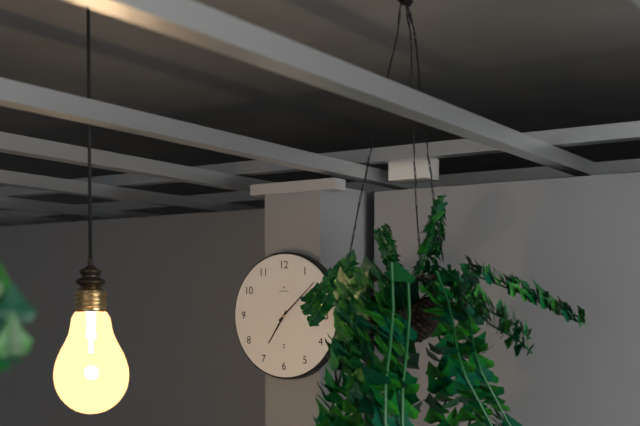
7h08
